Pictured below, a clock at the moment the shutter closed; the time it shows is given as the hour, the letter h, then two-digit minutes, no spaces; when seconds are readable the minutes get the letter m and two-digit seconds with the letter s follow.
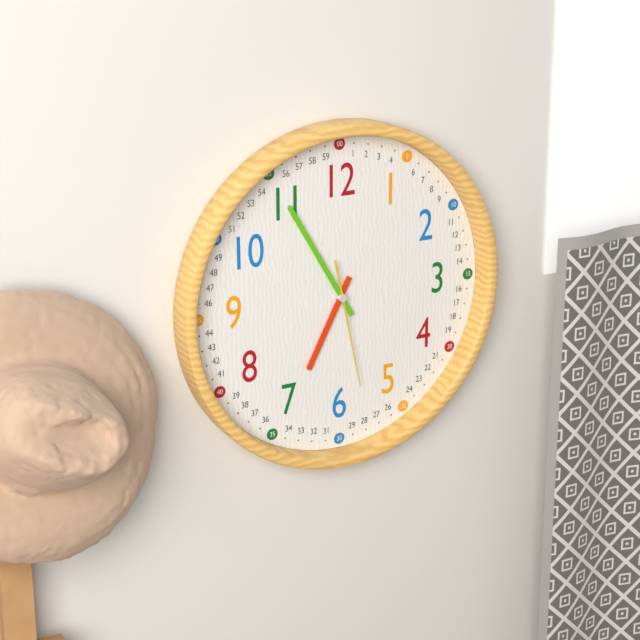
6h55m28s
